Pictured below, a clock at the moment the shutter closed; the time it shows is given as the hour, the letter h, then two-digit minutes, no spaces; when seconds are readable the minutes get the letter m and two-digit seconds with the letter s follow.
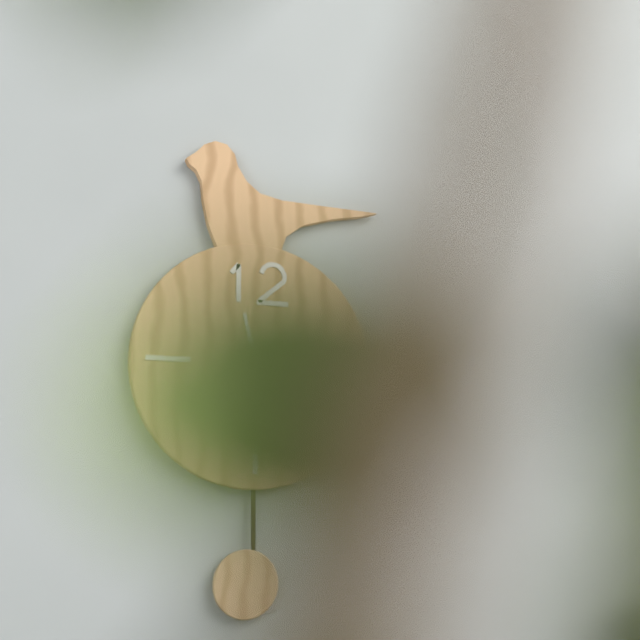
11h33
